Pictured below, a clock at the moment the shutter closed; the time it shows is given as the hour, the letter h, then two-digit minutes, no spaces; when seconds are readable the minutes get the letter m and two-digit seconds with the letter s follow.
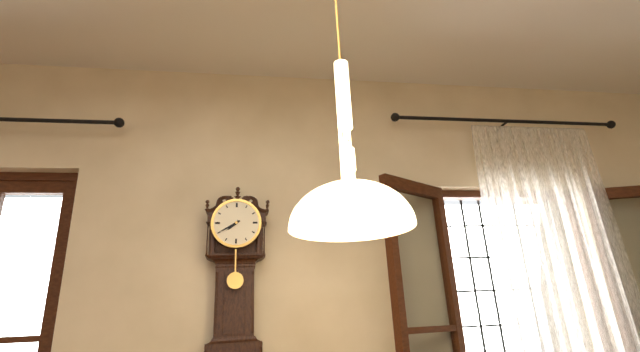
7h40
